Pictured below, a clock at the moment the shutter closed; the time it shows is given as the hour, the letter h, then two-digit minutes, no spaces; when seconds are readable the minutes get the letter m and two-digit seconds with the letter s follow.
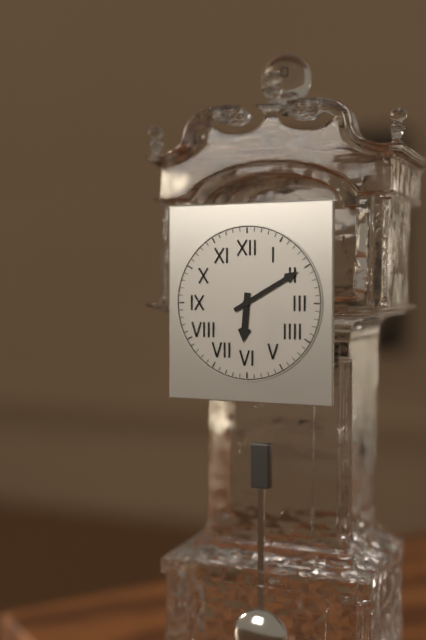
6h10
